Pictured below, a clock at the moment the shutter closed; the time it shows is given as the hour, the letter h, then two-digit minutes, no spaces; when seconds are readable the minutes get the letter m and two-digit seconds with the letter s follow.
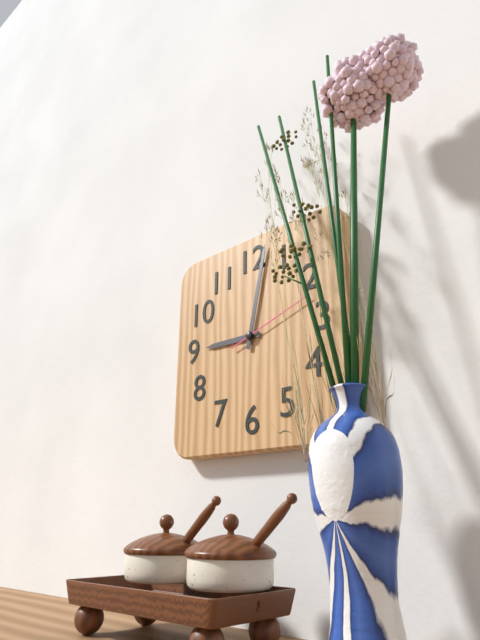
9h02m12s
